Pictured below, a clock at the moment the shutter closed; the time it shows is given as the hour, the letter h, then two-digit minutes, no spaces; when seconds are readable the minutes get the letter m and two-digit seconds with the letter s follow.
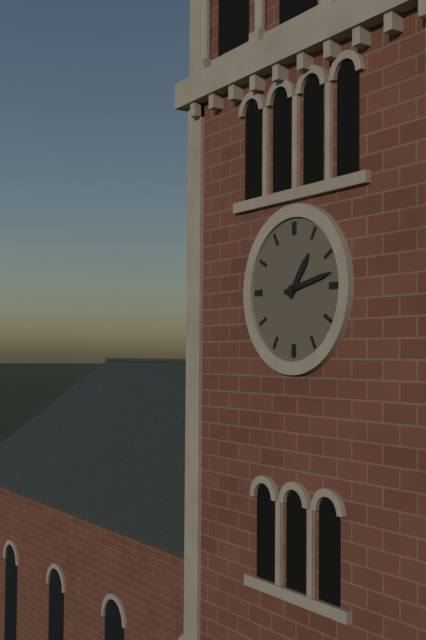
1h13
